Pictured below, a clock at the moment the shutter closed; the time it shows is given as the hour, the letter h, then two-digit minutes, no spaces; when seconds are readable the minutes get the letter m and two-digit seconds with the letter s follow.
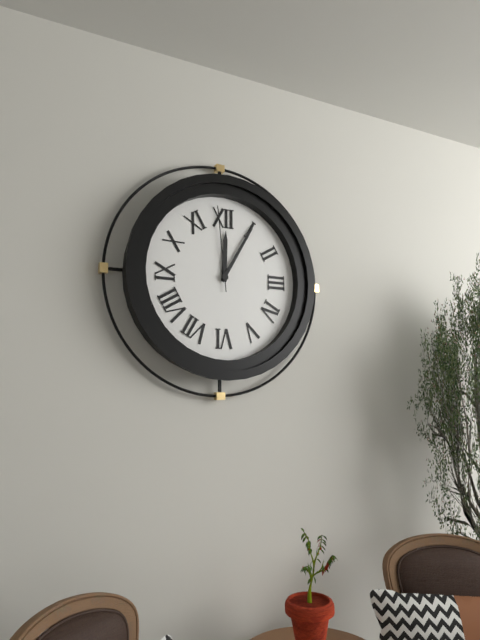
12h05m59s
